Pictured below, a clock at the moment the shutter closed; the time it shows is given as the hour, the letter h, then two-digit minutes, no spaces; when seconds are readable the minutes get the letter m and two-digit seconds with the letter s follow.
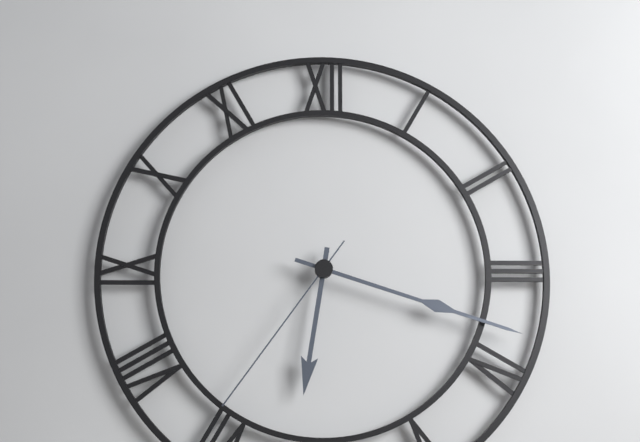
6h18m36s
